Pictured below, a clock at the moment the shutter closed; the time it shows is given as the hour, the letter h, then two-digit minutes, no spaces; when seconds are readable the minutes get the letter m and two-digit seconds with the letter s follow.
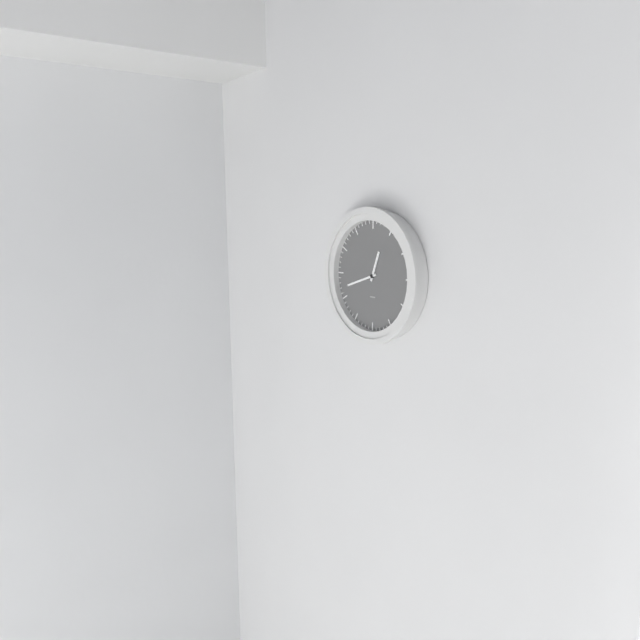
12h42
